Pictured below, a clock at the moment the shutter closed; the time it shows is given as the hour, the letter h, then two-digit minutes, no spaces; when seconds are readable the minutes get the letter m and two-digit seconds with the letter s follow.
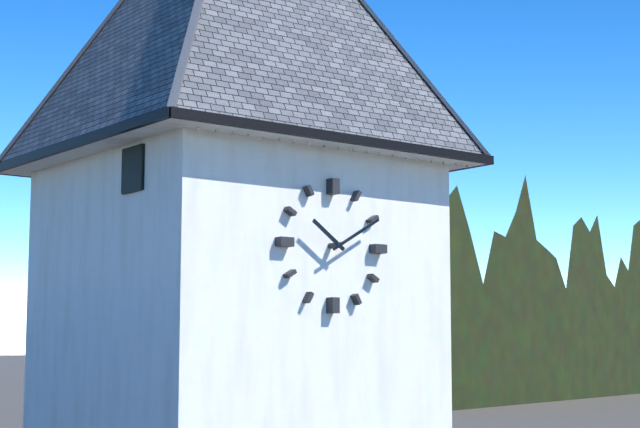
10h10
